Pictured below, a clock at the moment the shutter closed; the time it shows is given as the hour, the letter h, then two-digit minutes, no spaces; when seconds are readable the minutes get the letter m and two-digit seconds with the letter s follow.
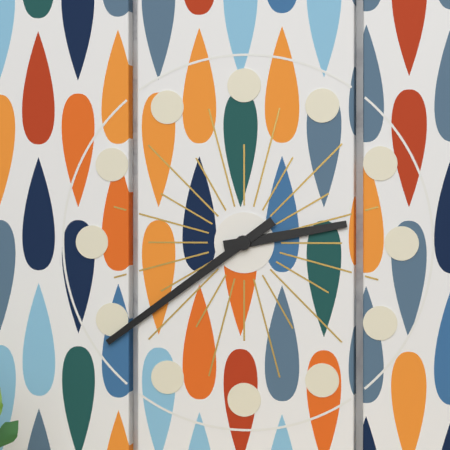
2h39
